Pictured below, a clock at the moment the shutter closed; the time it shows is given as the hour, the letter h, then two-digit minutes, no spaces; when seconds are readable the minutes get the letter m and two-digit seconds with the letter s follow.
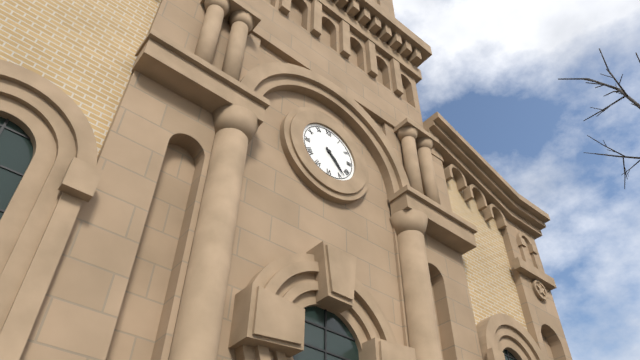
4h23
